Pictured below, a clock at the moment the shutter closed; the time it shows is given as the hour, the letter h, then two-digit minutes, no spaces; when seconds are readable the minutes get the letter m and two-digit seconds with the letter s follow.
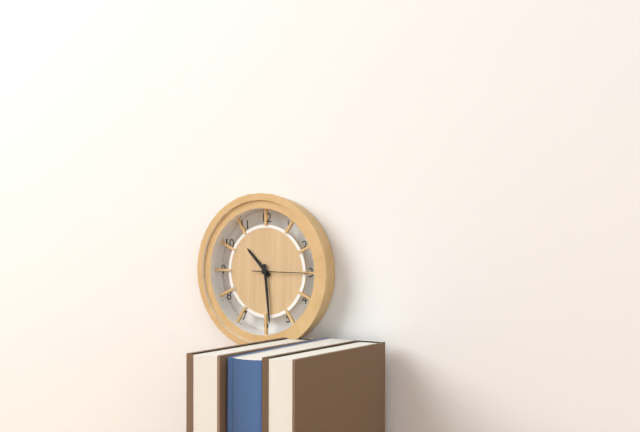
10h29m15s
